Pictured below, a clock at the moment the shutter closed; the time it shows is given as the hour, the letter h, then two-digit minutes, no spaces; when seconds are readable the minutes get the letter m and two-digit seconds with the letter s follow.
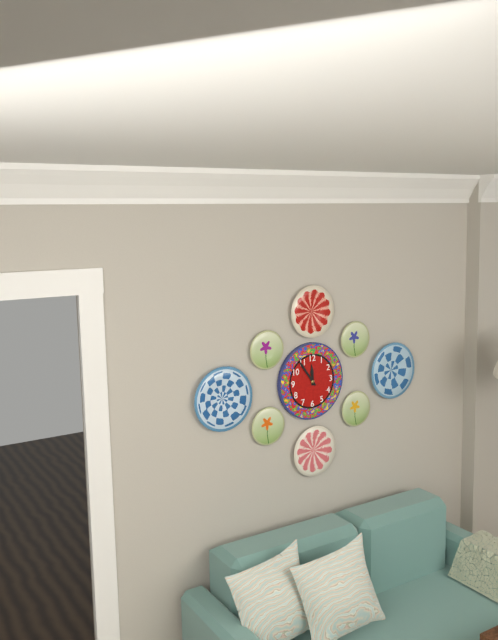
11h54
